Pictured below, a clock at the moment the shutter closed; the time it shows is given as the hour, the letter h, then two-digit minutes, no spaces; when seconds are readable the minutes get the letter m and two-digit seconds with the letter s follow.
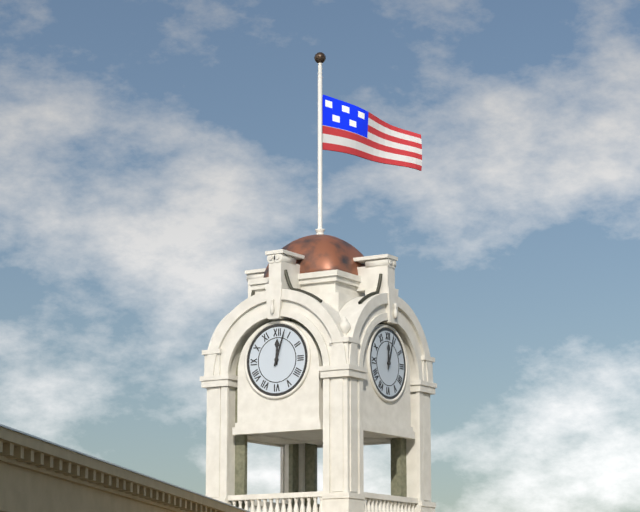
12h03
